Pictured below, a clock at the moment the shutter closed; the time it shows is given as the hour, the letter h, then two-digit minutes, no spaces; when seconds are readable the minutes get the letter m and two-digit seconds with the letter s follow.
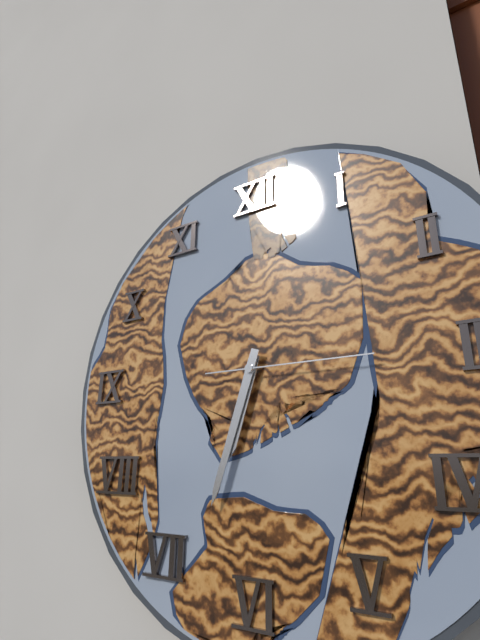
6h33m15s
